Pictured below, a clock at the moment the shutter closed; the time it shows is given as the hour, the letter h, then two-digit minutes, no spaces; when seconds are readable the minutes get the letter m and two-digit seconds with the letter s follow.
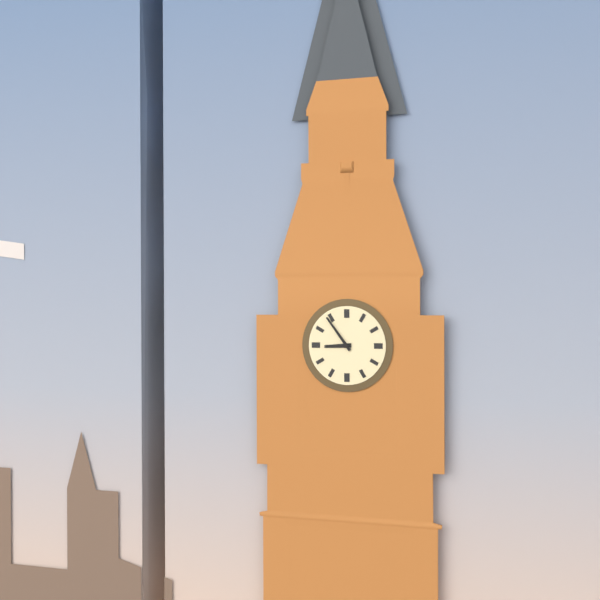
8h54
